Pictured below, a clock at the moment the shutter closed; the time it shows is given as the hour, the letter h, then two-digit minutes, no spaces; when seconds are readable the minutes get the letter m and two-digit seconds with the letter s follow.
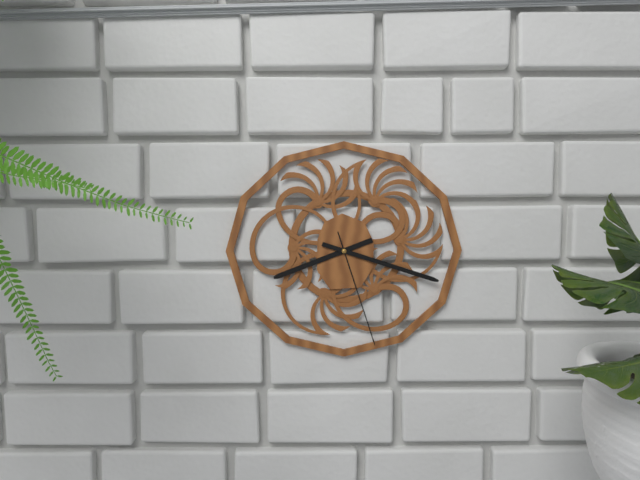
8h18m27s
